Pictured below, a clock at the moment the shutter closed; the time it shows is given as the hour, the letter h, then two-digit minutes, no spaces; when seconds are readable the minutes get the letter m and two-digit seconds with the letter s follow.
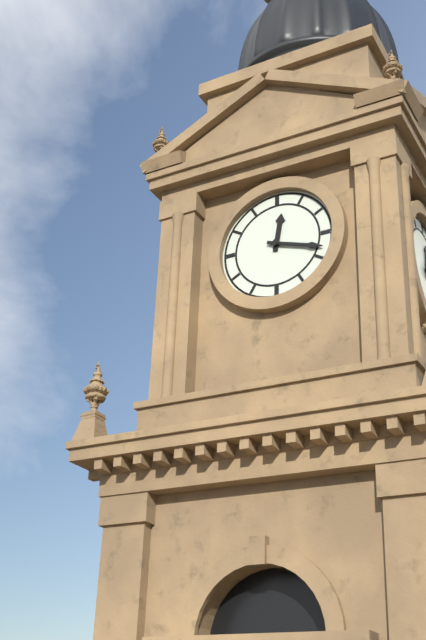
12h18
